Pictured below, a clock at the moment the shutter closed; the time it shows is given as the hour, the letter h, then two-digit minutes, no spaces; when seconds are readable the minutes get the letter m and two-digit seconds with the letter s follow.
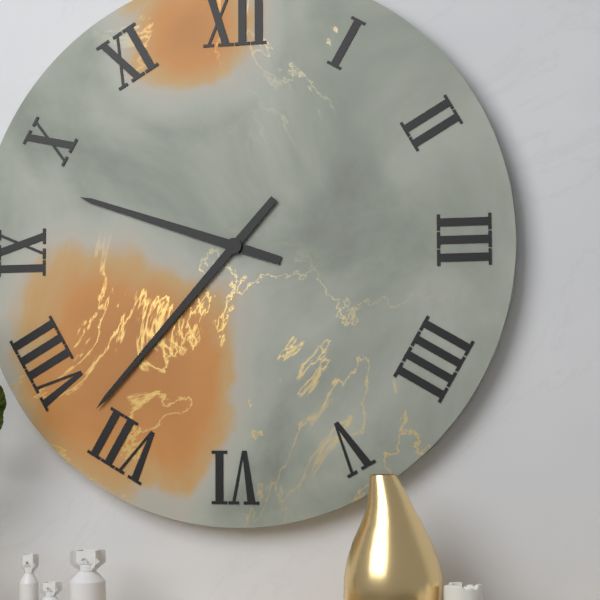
9h37
